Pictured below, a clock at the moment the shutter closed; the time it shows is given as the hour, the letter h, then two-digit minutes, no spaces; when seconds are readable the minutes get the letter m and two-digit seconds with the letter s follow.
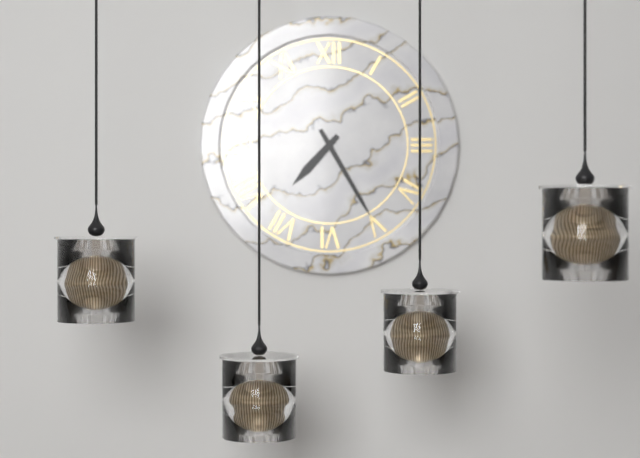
7h25
